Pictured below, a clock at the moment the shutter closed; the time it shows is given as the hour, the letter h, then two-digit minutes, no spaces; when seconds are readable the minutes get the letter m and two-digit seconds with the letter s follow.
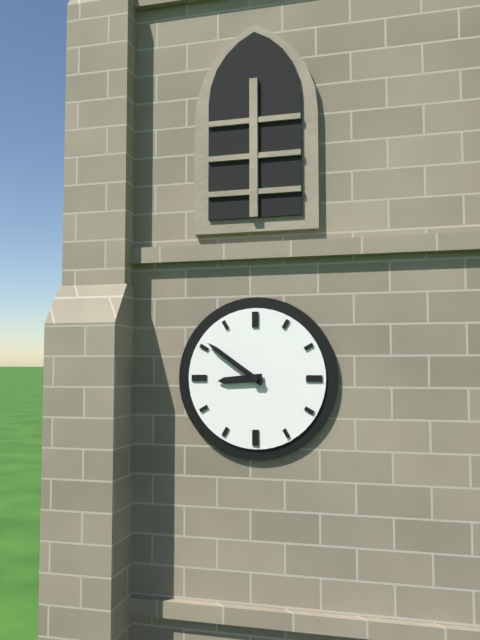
8h51
